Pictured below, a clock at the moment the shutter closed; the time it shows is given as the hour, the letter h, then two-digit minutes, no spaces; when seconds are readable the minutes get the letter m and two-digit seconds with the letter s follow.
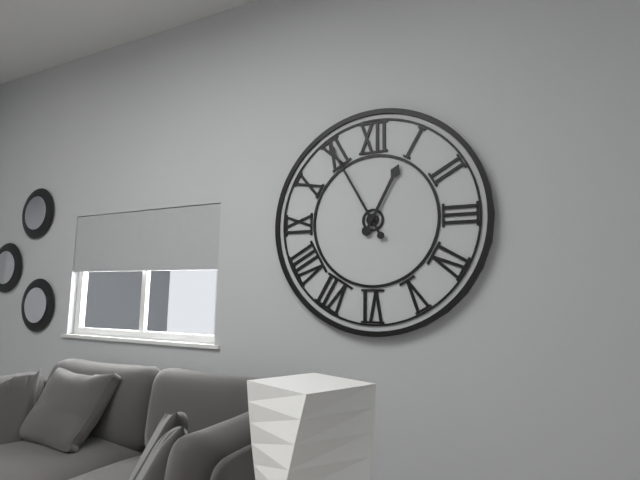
12h55
